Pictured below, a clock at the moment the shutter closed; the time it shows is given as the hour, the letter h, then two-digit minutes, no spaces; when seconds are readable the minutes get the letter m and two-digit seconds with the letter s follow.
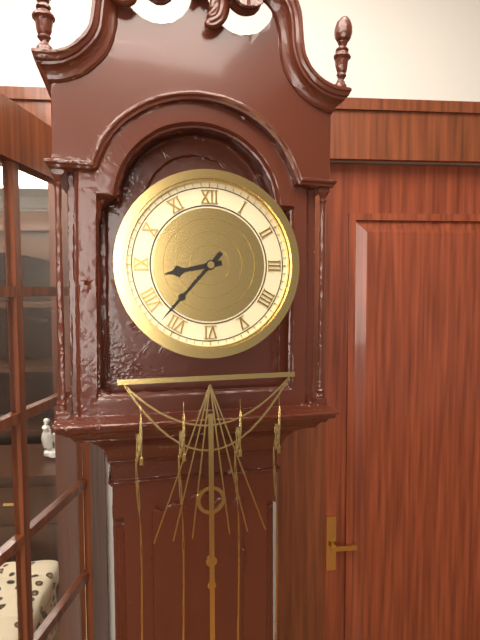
8h37
